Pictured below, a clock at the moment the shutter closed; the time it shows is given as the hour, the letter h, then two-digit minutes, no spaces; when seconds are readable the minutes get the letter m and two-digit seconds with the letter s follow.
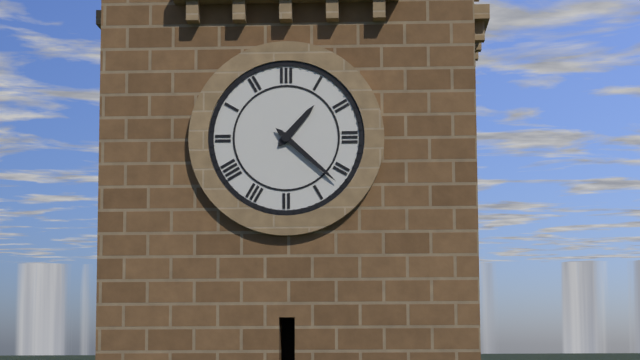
1h22
